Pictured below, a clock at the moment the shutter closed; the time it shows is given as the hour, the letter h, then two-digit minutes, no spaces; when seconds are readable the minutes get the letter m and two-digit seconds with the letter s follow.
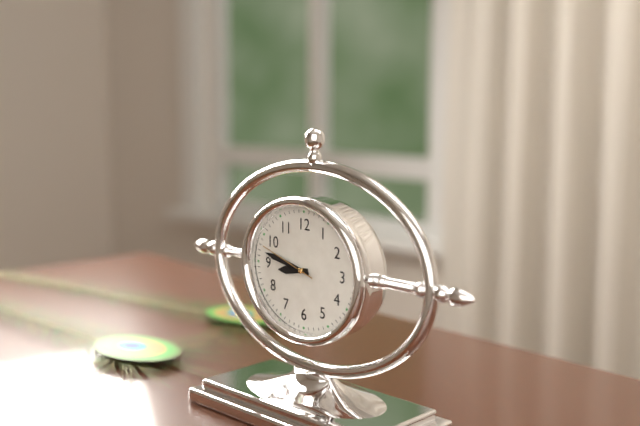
8h47m48s
